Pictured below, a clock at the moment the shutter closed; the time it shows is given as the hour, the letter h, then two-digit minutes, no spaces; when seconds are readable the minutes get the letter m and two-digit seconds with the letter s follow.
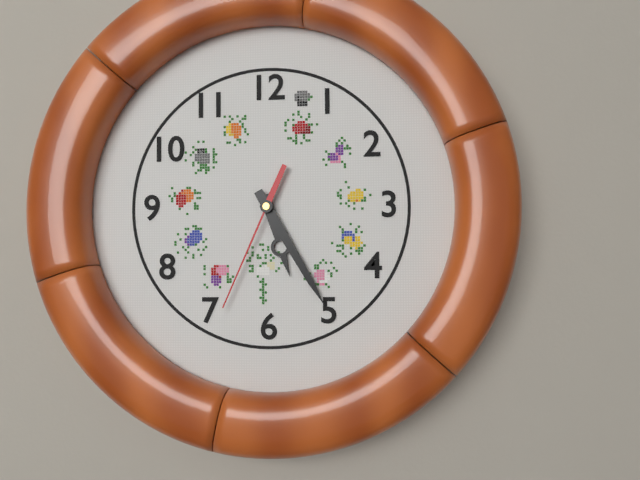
5h25m34s
